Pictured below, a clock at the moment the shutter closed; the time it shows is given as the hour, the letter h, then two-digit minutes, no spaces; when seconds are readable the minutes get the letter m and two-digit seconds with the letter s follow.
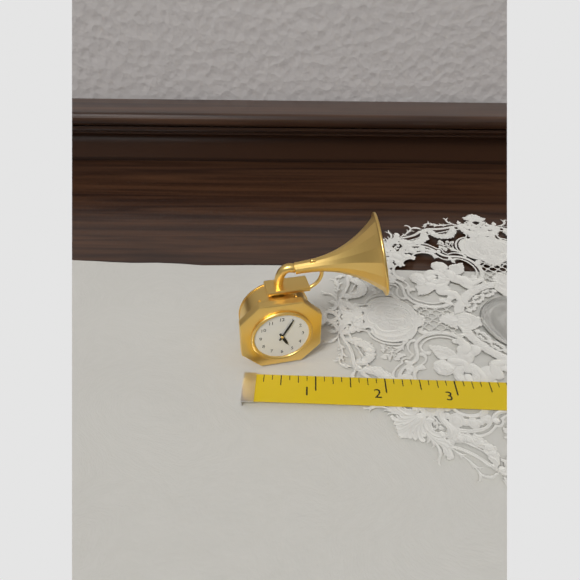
5h05
